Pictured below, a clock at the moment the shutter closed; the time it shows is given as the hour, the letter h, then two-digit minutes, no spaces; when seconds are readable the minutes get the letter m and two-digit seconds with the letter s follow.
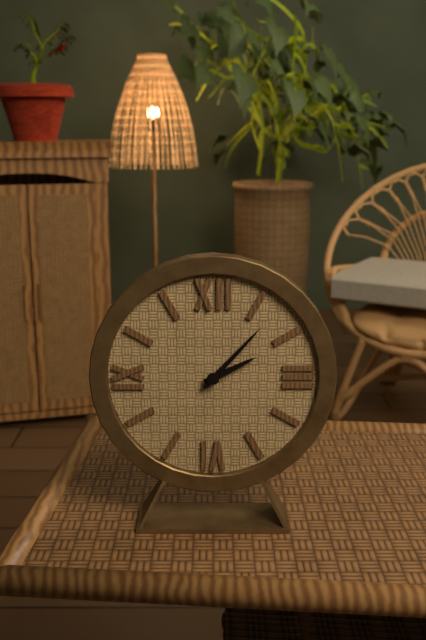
2h07
